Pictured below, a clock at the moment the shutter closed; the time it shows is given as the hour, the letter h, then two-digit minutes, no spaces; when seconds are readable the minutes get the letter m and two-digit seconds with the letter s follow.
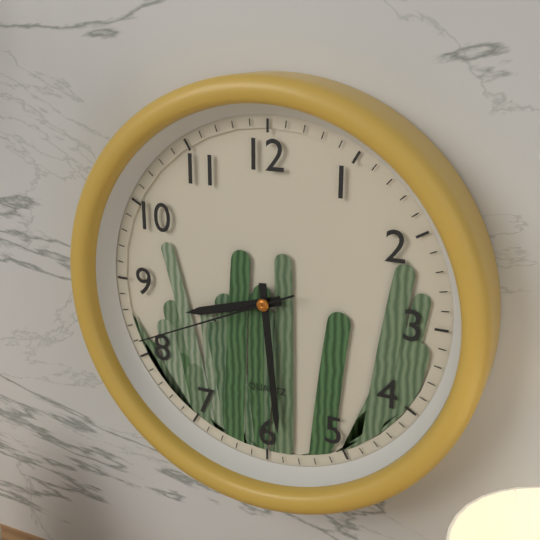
8h29m41s
